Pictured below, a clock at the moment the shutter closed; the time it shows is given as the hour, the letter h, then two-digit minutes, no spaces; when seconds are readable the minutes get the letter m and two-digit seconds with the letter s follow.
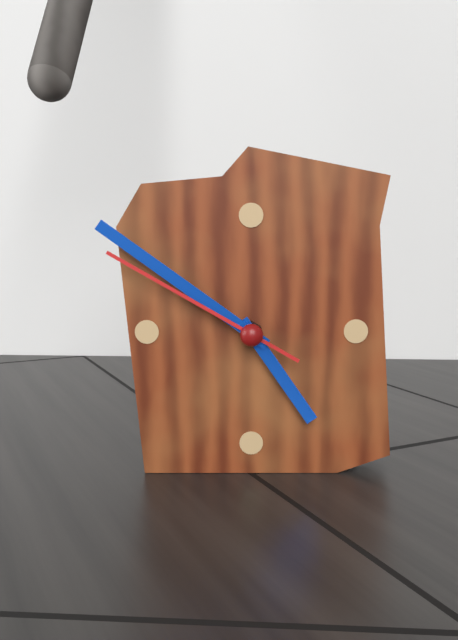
4h51m50s
